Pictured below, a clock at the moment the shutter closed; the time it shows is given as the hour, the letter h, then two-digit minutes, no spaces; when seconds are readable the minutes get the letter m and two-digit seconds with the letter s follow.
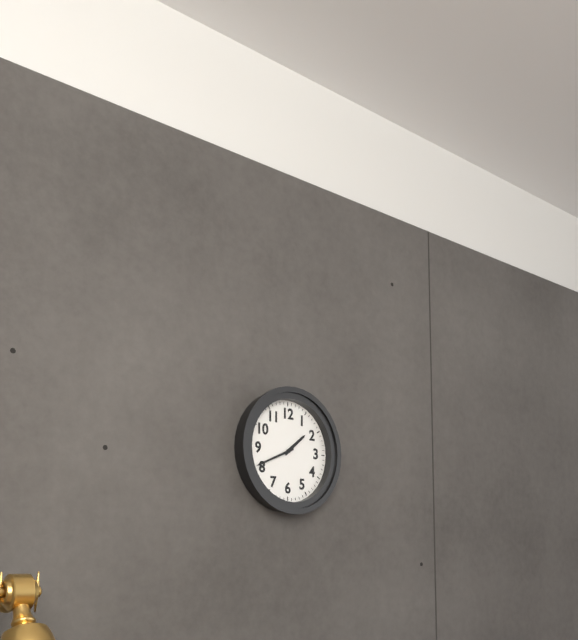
1h41
